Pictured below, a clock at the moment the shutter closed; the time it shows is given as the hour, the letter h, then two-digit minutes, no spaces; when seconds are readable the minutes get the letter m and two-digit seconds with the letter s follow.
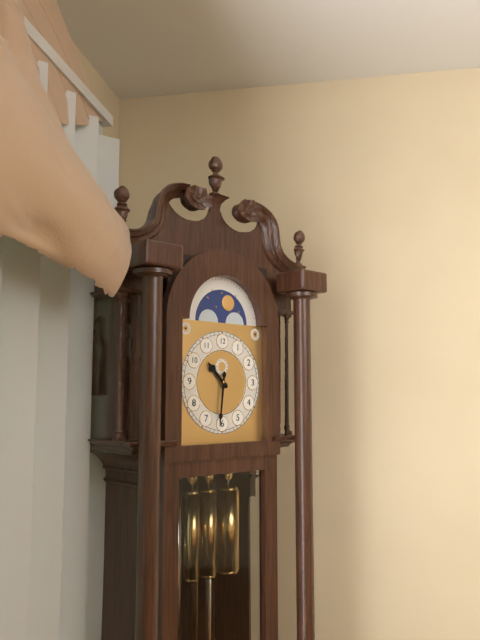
10h31
